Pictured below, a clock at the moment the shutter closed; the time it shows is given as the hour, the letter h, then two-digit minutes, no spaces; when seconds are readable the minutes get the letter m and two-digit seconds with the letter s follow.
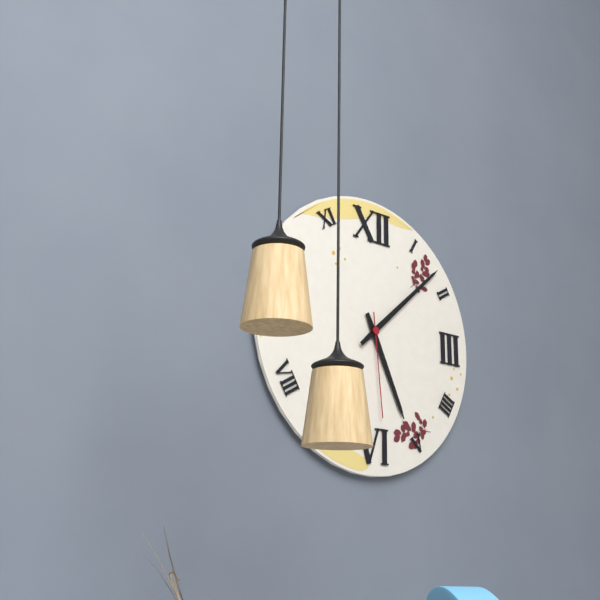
5h08m29s
